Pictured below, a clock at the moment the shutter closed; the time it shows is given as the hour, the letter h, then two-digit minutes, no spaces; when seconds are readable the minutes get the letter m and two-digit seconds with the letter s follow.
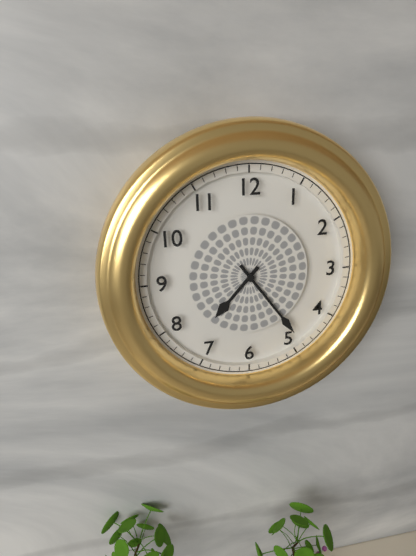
7h24
